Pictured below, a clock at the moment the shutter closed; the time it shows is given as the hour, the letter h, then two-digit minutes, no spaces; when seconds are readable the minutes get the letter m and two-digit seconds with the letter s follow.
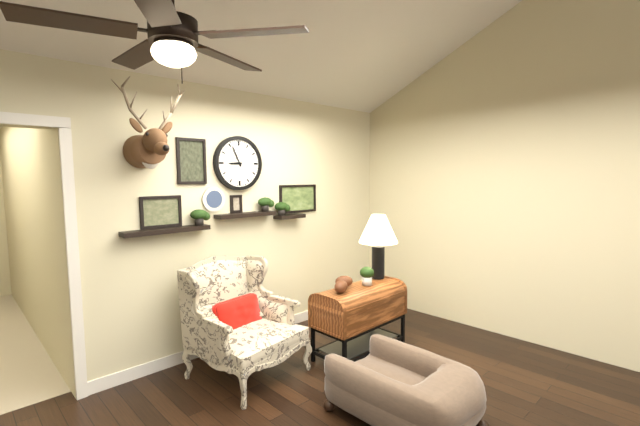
8h56
